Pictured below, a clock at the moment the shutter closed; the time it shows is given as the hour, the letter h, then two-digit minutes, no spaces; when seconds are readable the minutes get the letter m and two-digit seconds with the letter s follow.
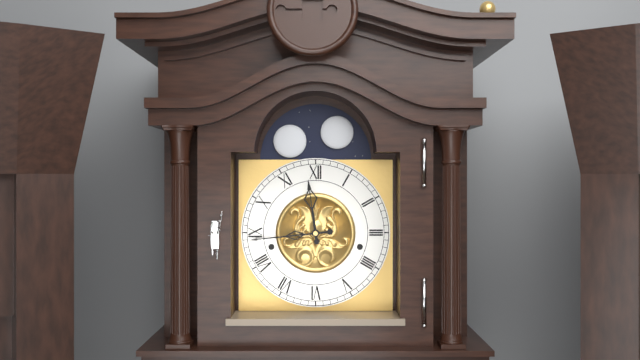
11h44
